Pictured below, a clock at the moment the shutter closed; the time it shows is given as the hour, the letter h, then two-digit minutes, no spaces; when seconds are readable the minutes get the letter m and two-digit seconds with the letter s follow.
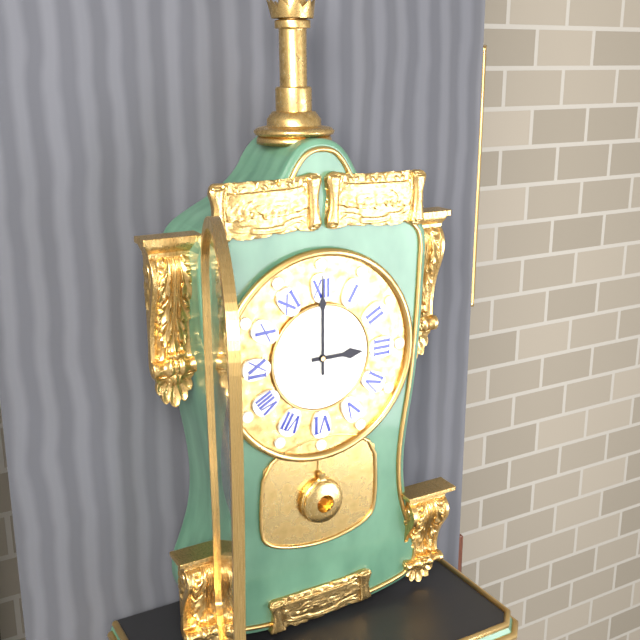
3h00
